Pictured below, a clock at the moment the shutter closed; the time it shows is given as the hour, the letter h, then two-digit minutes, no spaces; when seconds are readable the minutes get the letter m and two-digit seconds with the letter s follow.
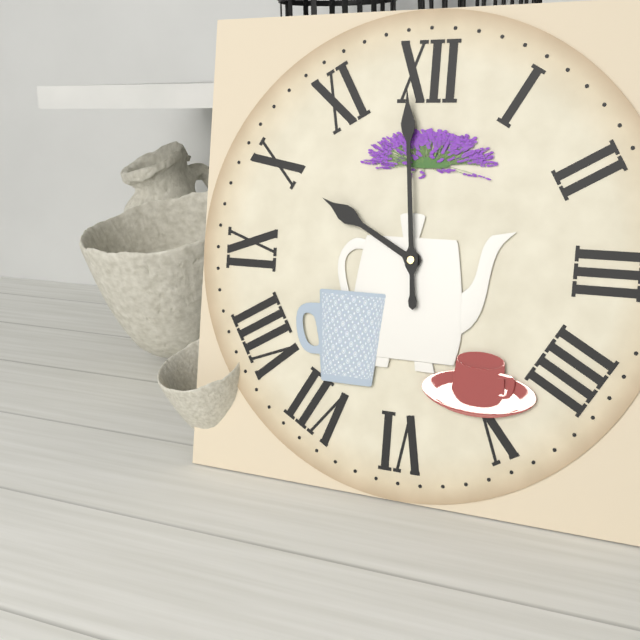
9h59
